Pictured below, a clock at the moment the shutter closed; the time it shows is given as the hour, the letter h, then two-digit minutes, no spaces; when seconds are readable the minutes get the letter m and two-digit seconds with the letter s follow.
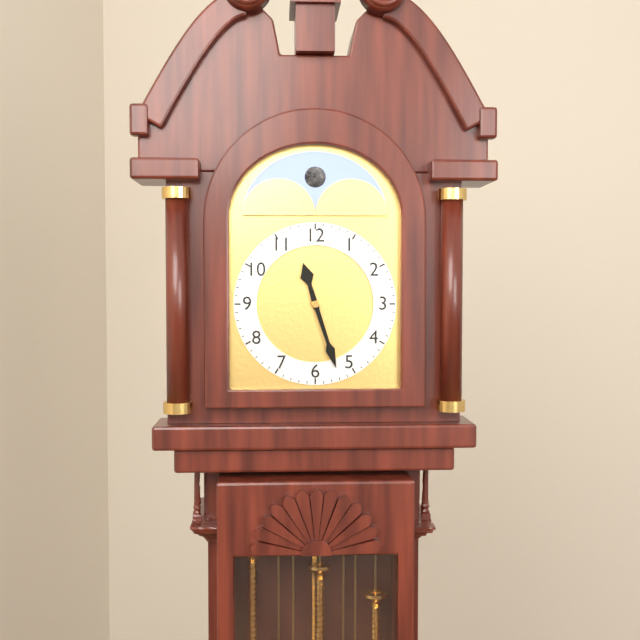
11h27
